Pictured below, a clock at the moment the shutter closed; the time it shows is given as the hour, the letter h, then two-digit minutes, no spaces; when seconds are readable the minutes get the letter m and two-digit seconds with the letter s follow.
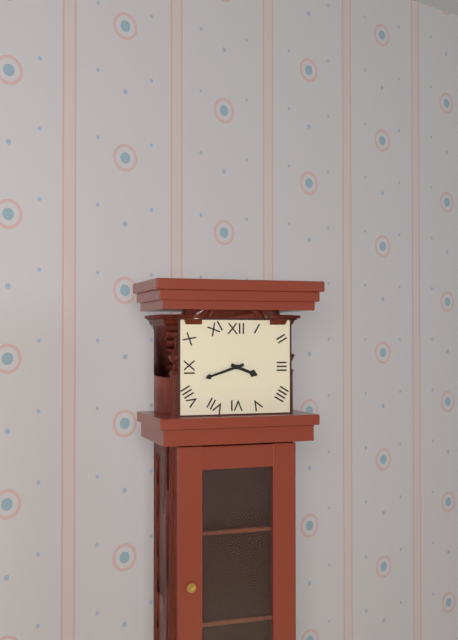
3h42
